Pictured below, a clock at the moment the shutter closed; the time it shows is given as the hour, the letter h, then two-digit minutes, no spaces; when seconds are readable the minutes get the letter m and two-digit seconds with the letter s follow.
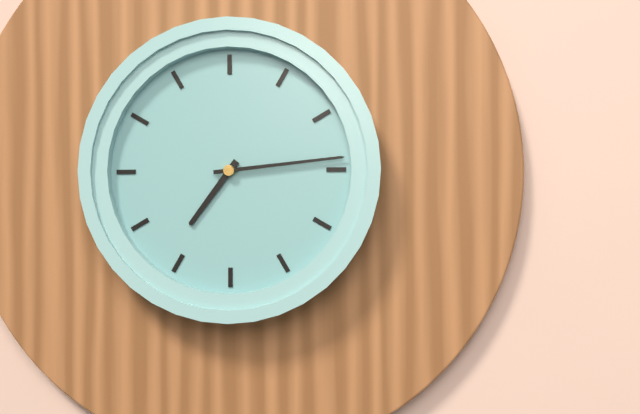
7h14
